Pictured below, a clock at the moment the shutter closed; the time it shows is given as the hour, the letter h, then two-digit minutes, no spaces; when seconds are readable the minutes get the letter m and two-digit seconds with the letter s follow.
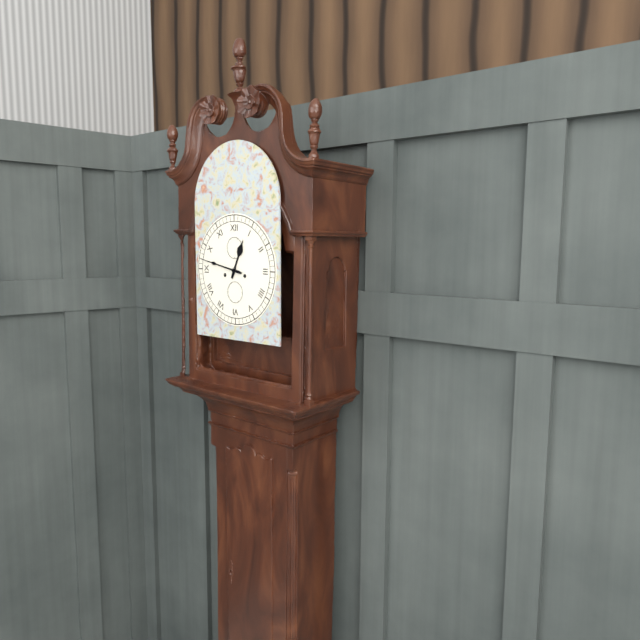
12h47
